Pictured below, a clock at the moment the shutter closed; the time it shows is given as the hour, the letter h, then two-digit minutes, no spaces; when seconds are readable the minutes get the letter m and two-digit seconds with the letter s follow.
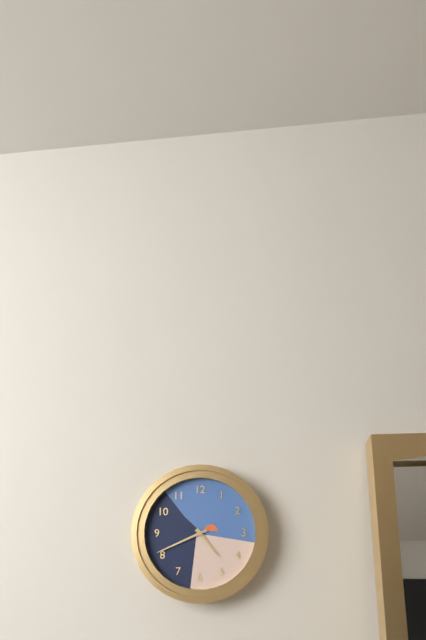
4h41
